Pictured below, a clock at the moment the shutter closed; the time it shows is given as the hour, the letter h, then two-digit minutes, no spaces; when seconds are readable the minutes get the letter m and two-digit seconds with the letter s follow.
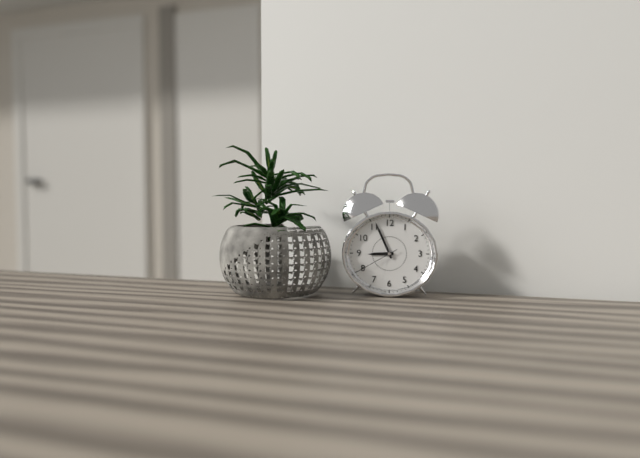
8h56
